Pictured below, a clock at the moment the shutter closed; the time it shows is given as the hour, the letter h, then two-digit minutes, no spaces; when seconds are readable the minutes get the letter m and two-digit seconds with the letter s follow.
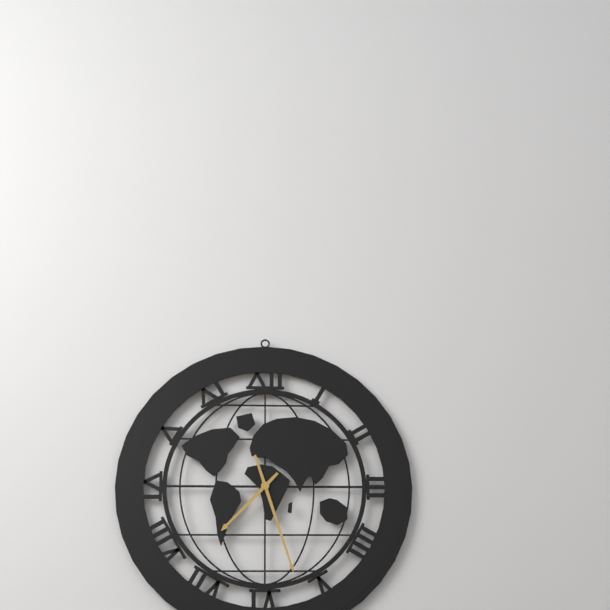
7h27
